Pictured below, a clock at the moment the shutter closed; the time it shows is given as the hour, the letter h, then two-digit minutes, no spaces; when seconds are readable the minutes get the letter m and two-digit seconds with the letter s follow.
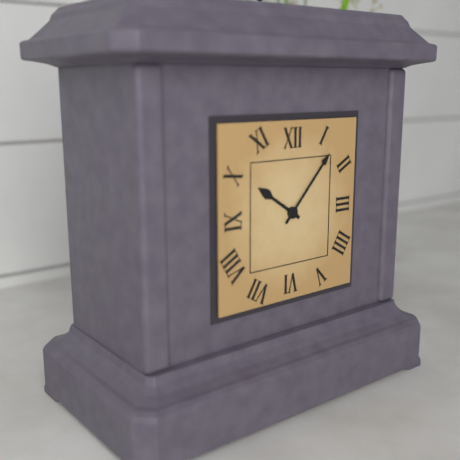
10h07
